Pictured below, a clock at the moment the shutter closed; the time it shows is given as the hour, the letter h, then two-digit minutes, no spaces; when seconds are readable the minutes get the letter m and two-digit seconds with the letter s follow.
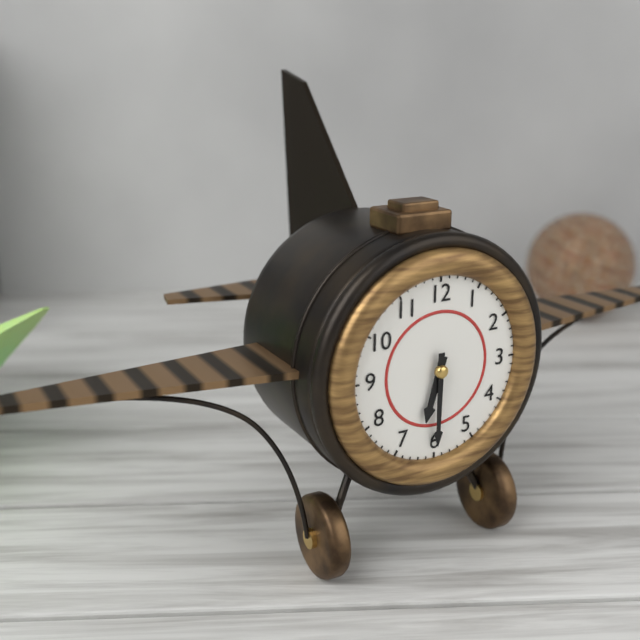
6h30
